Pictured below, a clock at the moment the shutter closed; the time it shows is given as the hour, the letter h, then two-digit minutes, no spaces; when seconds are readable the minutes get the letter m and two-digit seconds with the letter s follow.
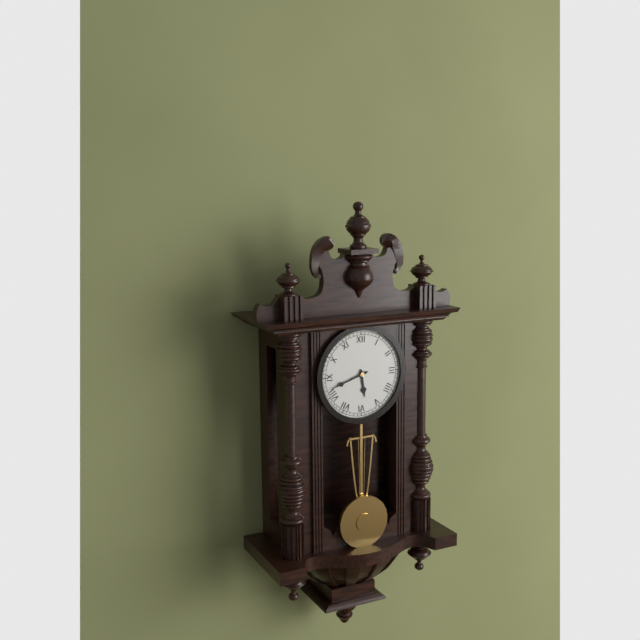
5h42
